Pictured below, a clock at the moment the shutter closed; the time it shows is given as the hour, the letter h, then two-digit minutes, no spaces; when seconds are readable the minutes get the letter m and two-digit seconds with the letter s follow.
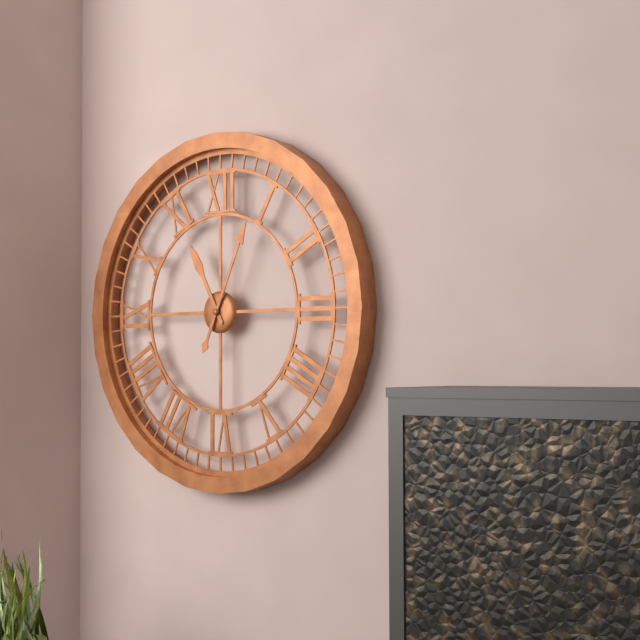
11h04
